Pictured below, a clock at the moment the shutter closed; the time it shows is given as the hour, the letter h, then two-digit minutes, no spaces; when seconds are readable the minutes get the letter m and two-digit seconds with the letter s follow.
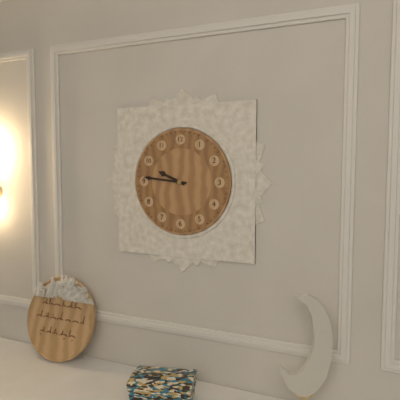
9h46
